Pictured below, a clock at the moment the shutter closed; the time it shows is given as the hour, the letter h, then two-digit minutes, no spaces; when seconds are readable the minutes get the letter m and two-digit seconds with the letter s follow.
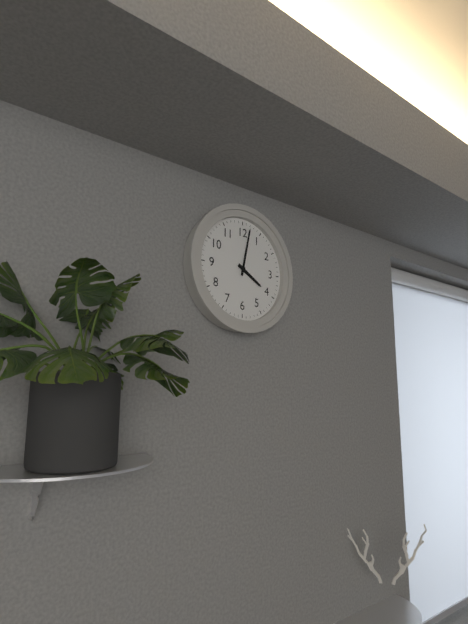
4h02
